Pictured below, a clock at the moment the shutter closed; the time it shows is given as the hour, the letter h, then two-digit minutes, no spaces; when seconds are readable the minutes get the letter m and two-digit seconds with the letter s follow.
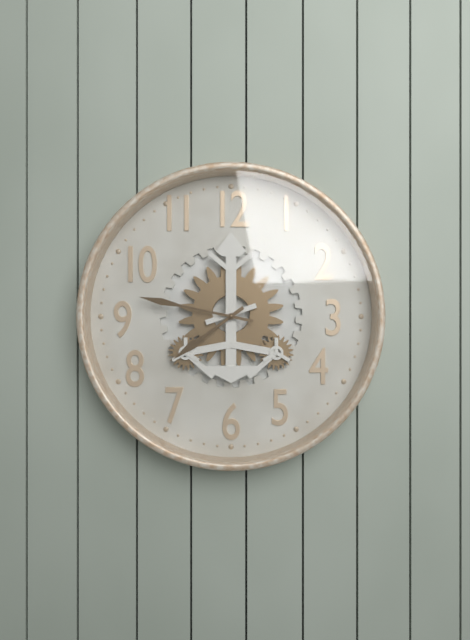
7h47
